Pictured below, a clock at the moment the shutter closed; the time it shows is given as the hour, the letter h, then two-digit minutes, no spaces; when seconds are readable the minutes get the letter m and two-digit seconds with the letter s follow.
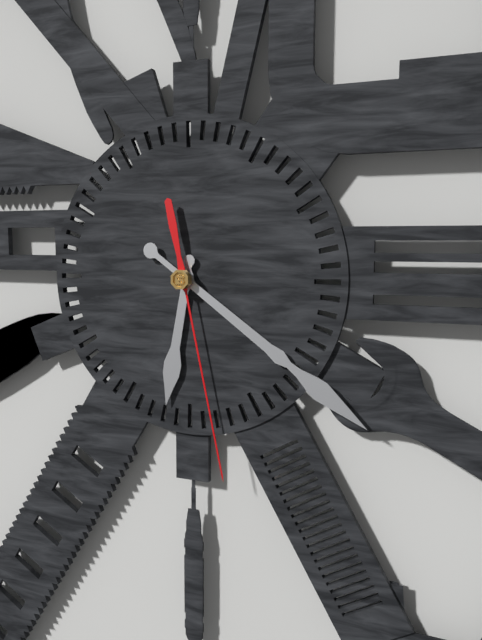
6h21m28s
